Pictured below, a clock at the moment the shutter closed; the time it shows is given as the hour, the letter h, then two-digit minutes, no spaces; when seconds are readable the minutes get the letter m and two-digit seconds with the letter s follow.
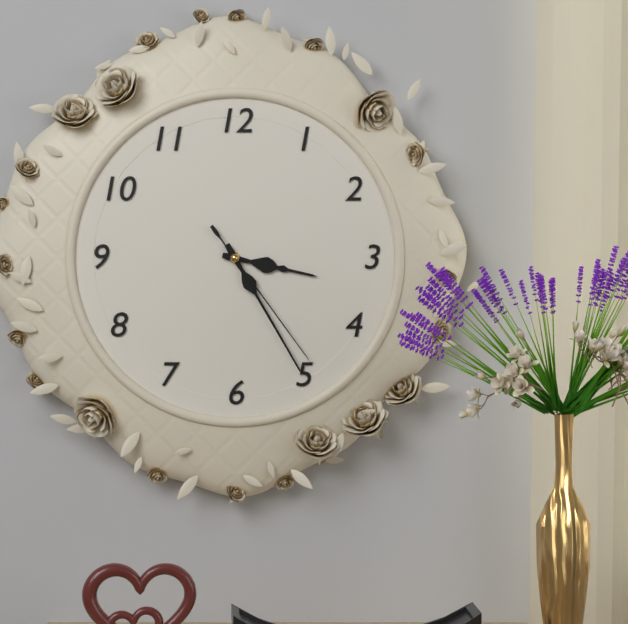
3h25m24s
